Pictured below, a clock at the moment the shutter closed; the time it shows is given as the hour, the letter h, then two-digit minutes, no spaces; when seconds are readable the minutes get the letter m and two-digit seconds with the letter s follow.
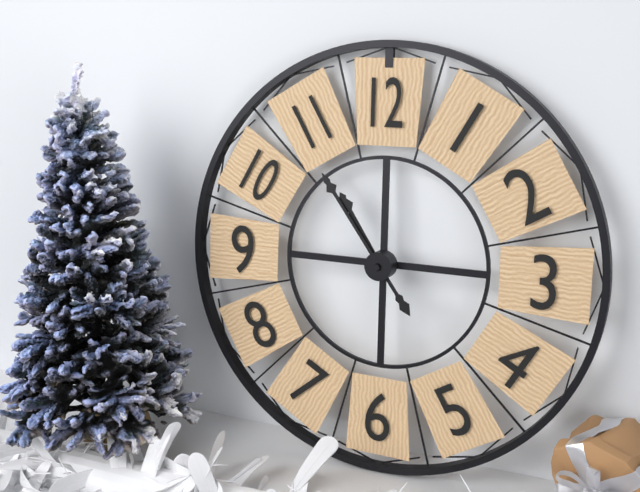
10h54
